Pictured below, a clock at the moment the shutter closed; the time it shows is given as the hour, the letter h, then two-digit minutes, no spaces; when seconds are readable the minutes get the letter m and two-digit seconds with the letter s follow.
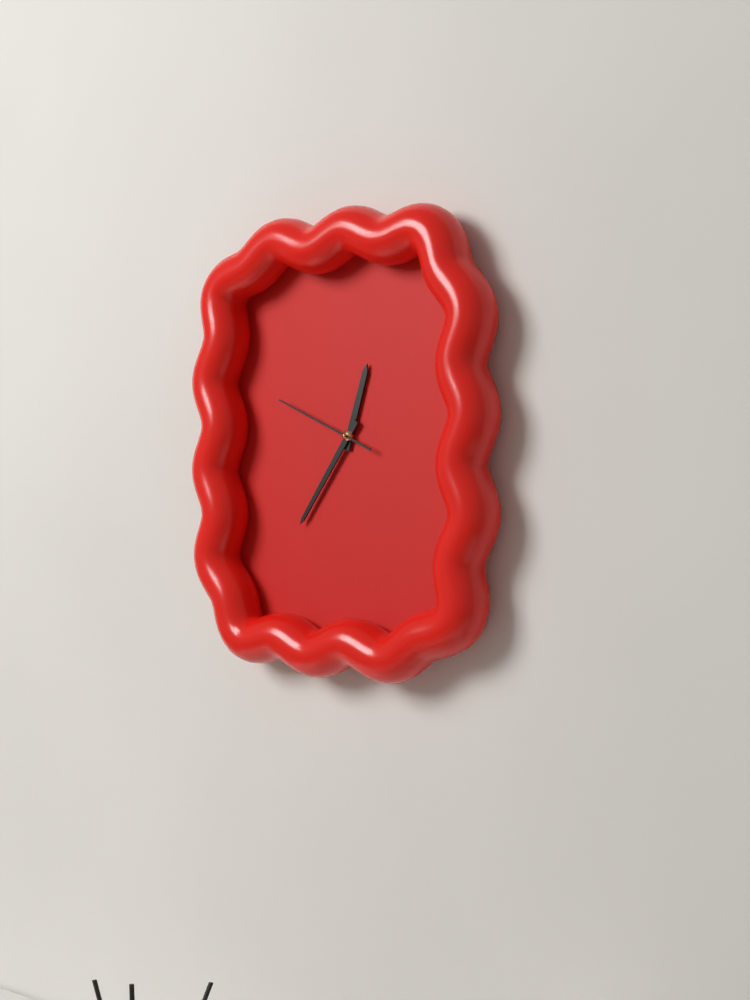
12h36m49s
